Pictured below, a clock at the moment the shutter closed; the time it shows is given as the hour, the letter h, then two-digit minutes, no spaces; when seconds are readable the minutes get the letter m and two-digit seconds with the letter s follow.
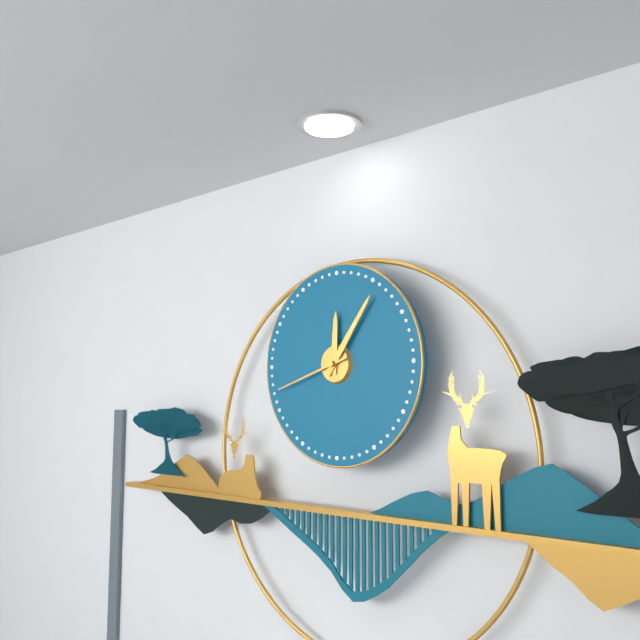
12h06m42s
